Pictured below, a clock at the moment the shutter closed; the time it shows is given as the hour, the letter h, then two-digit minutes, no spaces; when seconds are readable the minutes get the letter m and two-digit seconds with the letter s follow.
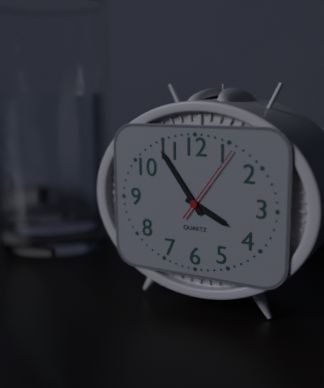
3h54m06s
